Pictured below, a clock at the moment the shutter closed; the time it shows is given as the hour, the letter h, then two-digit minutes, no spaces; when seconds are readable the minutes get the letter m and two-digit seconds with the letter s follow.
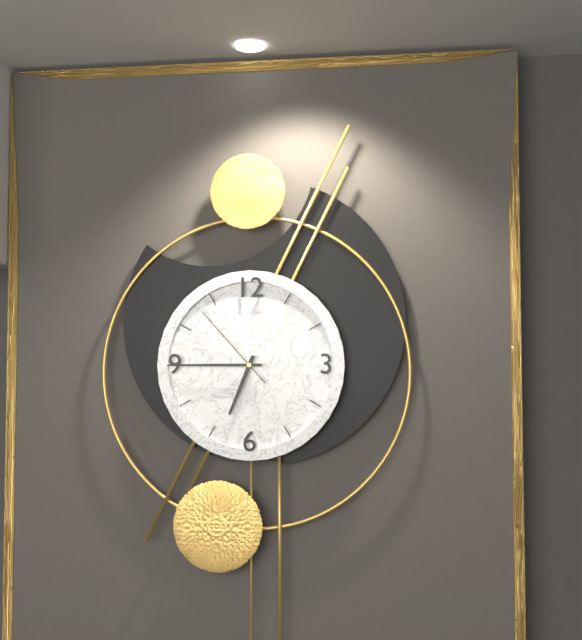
6h45m53s
